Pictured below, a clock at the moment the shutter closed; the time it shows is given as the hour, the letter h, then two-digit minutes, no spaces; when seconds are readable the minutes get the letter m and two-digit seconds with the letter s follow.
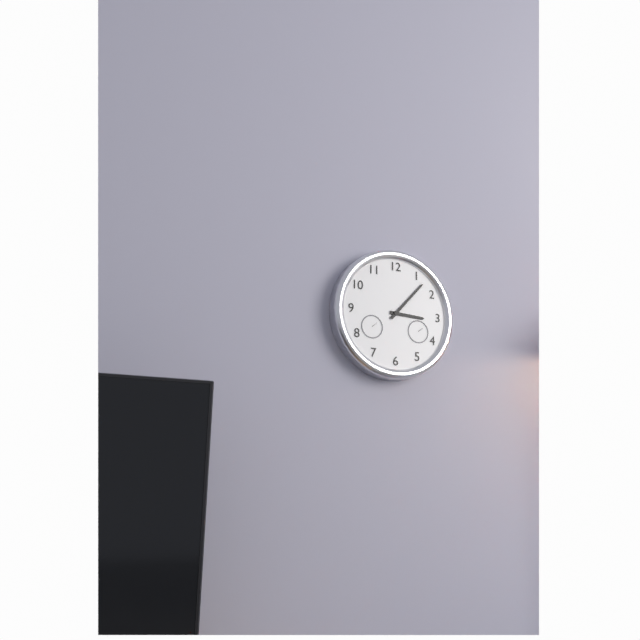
3h07
